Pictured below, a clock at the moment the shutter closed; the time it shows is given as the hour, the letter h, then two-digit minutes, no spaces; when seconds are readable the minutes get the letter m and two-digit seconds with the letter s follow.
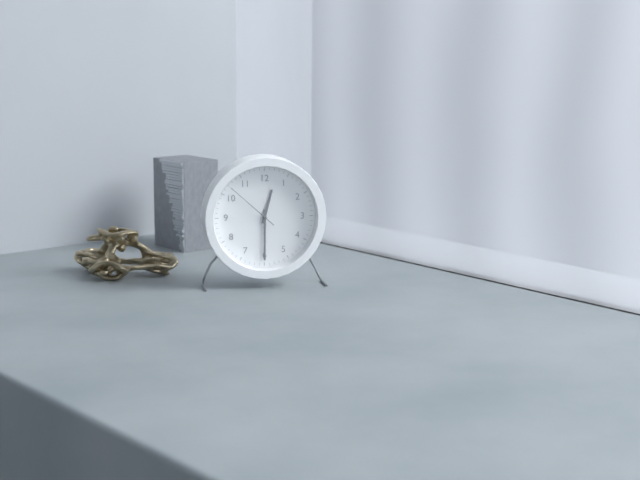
12h30m52s
